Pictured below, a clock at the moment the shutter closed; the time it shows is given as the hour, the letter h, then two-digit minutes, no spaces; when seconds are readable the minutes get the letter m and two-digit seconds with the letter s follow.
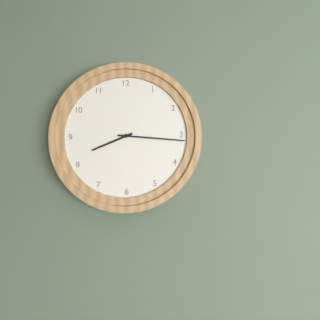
8h16
